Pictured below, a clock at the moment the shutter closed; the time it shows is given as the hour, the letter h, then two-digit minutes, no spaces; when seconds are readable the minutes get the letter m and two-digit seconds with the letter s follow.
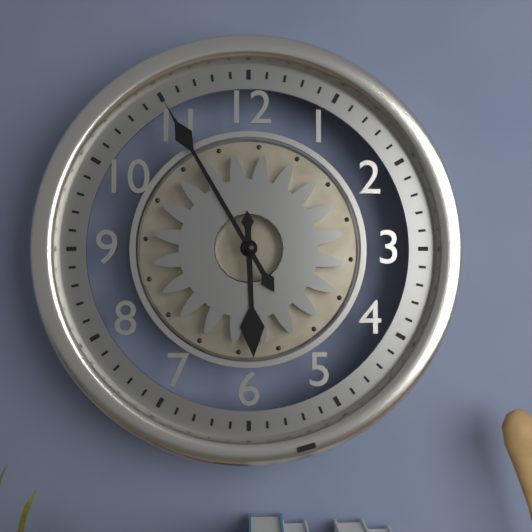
5h55
